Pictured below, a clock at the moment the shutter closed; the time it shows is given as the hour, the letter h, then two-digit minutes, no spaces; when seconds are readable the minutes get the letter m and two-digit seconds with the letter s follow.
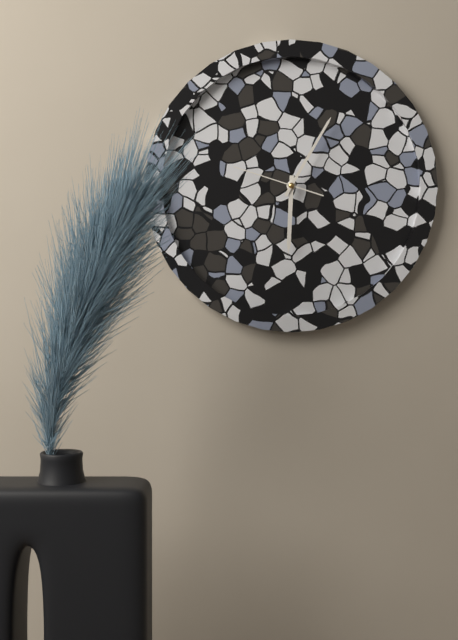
6h05m48s
